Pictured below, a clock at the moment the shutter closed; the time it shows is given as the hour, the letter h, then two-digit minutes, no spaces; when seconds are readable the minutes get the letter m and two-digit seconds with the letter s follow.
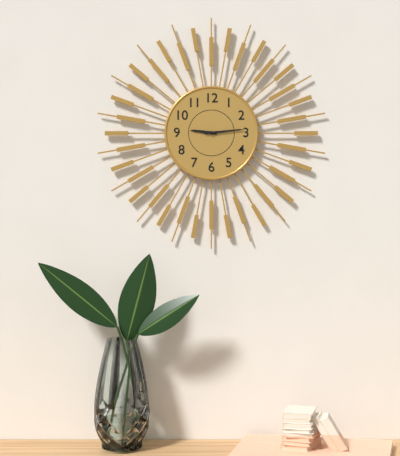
9h14
